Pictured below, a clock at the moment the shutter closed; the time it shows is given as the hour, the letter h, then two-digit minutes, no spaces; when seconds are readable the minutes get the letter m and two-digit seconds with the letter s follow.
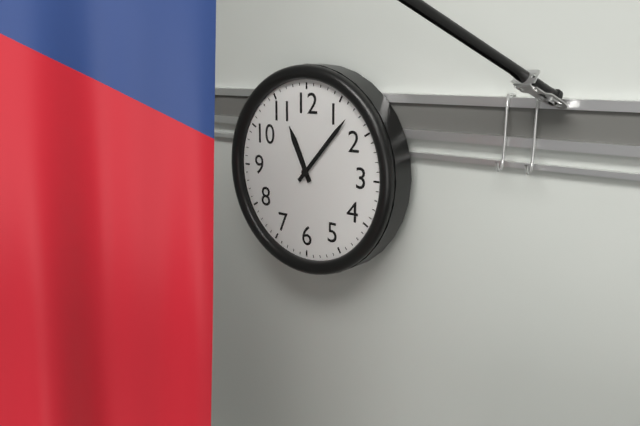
11h07
